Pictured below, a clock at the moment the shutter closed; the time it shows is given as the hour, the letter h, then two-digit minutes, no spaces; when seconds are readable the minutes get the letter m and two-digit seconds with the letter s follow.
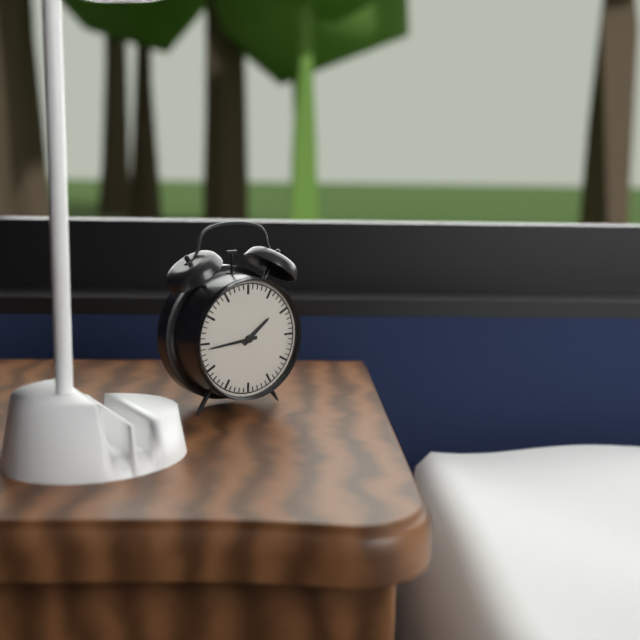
1h44
